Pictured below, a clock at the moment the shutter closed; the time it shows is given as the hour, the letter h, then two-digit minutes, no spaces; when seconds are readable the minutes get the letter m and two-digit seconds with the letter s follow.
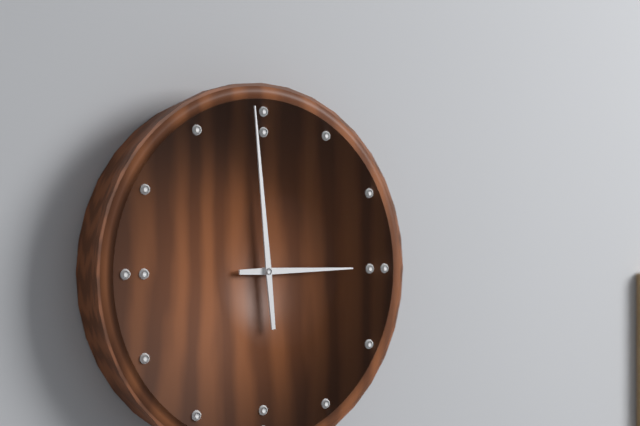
2h59
